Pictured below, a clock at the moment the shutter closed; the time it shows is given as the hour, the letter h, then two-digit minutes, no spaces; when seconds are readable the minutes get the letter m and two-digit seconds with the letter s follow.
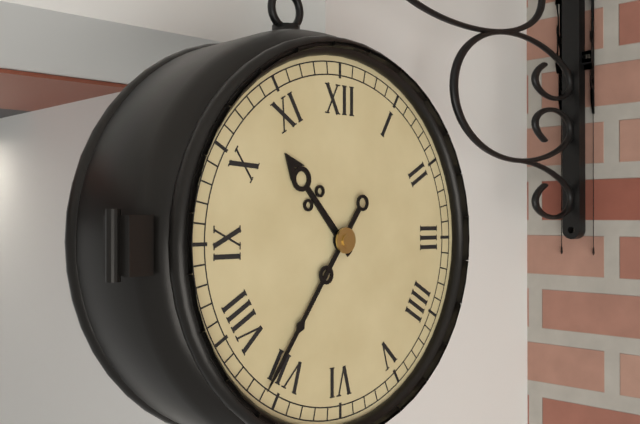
10h36
